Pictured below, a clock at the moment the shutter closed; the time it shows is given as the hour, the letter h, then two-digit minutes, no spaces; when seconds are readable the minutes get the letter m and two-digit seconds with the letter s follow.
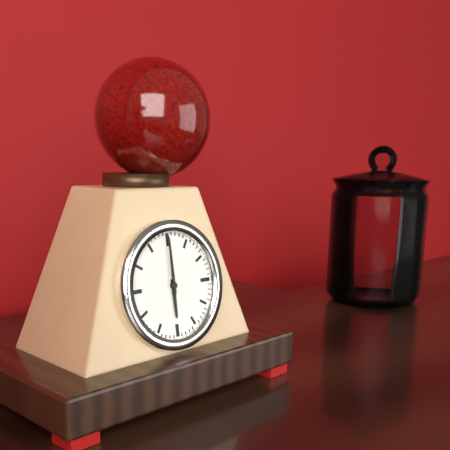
6h00
